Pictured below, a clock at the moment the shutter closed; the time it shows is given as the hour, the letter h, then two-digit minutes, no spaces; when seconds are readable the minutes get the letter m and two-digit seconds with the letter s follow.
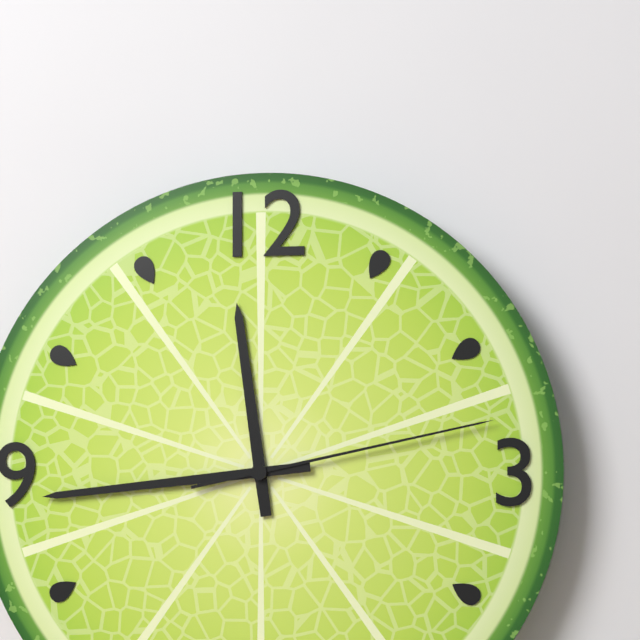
11h44m13s
